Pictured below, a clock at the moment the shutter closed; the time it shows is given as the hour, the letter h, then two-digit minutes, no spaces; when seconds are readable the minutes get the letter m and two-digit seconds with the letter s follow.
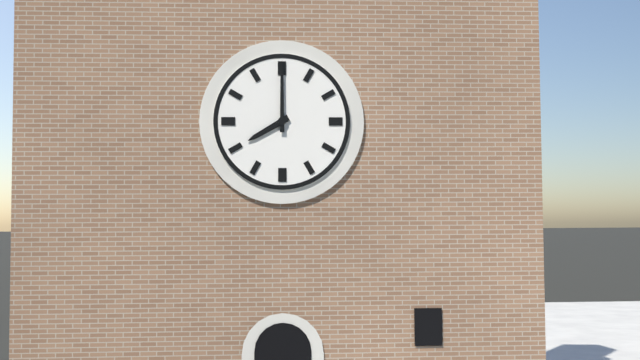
8h00
